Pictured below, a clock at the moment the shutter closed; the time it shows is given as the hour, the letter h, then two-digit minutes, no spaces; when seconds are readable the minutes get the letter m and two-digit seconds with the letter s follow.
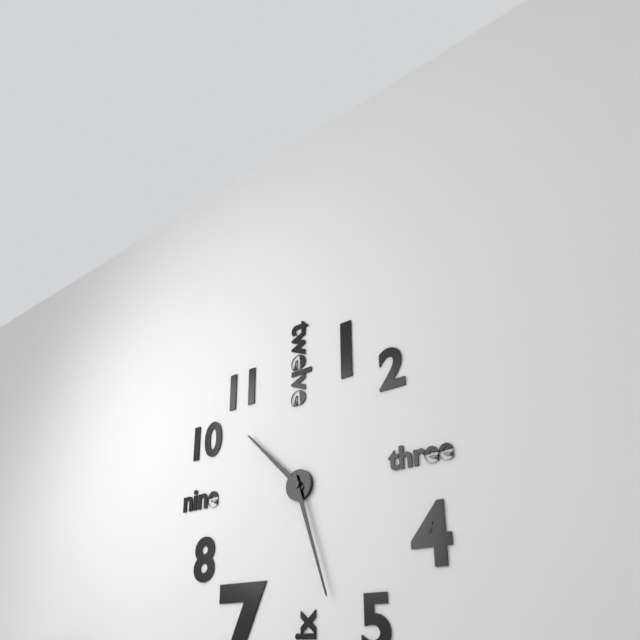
10h27
